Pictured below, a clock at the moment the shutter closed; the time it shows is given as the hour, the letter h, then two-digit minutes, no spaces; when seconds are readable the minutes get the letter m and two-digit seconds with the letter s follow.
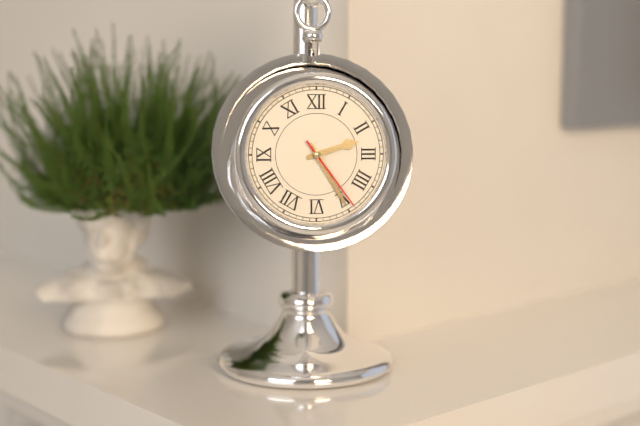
2h25m24s
